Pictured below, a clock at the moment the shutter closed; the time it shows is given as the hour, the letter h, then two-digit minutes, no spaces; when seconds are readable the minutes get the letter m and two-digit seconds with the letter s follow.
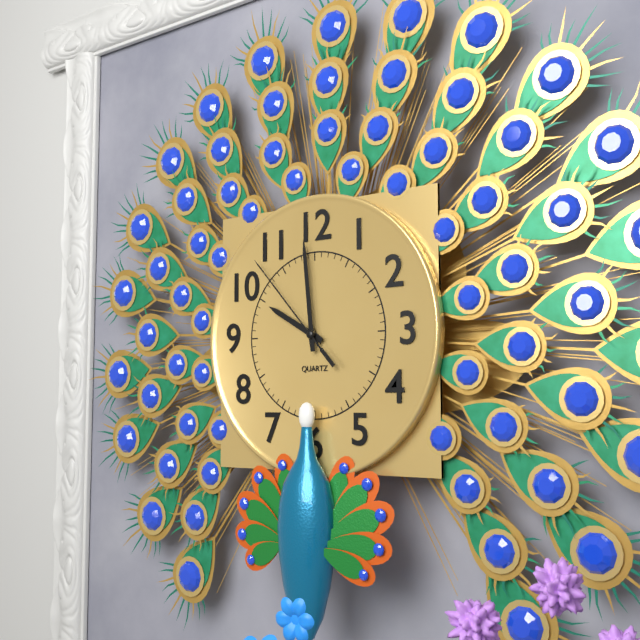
9h59m53s
